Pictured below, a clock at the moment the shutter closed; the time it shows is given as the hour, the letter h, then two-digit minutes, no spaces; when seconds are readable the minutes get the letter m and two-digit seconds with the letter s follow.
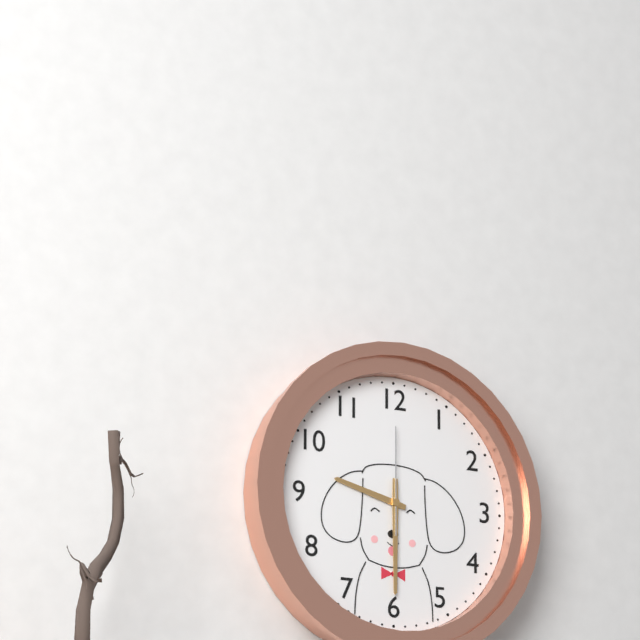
9h30m00s
